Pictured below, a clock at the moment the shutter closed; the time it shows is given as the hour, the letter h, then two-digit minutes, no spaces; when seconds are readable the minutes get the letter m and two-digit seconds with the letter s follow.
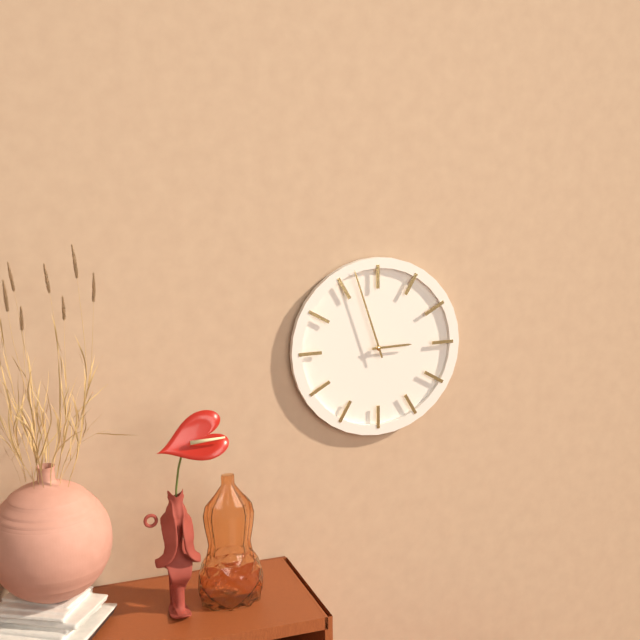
2h57
